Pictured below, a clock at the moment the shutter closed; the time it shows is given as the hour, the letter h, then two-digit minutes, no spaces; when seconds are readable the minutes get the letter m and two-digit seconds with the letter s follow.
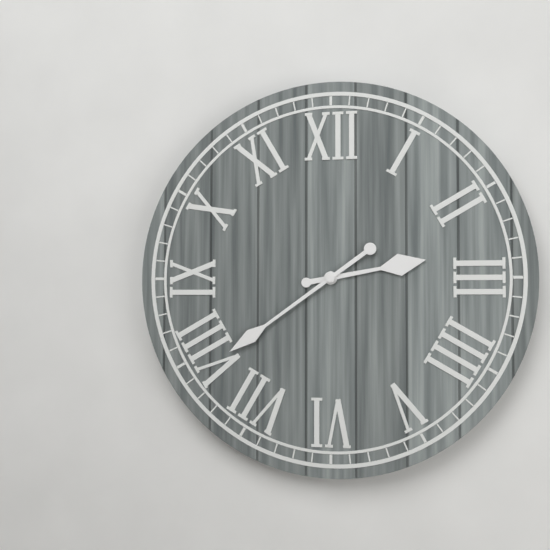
2h39
